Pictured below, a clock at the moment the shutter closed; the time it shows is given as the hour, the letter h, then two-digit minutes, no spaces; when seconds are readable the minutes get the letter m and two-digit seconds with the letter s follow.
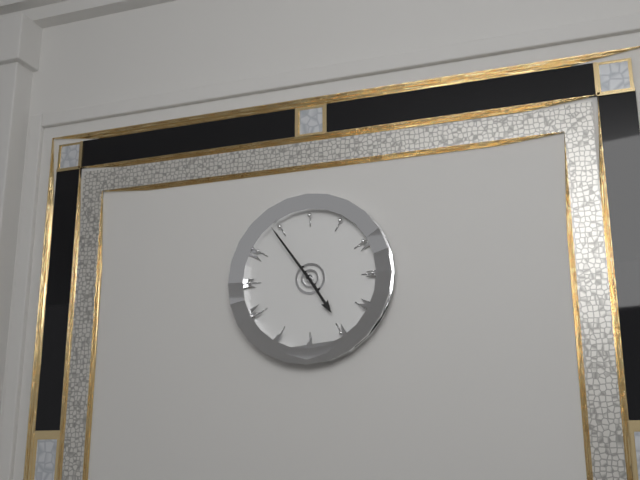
4h54
